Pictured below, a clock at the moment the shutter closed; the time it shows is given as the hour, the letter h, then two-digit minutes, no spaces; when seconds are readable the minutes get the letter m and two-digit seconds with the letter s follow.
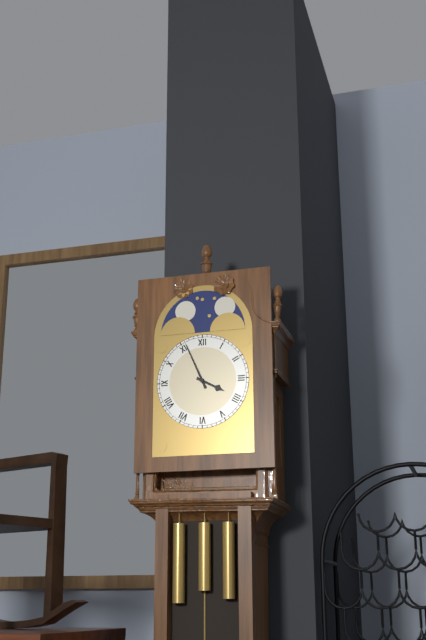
3h56
